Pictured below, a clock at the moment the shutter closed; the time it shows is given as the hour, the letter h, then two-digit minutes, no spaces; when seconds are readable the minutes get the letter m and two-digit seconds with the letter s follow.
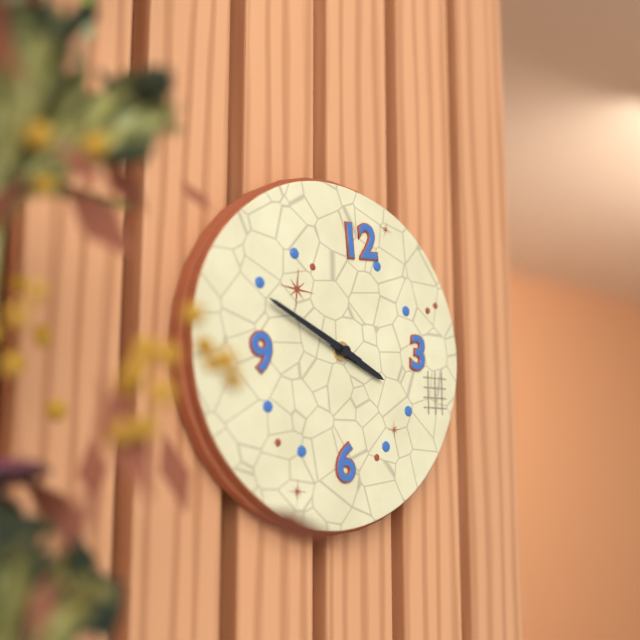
3h49
